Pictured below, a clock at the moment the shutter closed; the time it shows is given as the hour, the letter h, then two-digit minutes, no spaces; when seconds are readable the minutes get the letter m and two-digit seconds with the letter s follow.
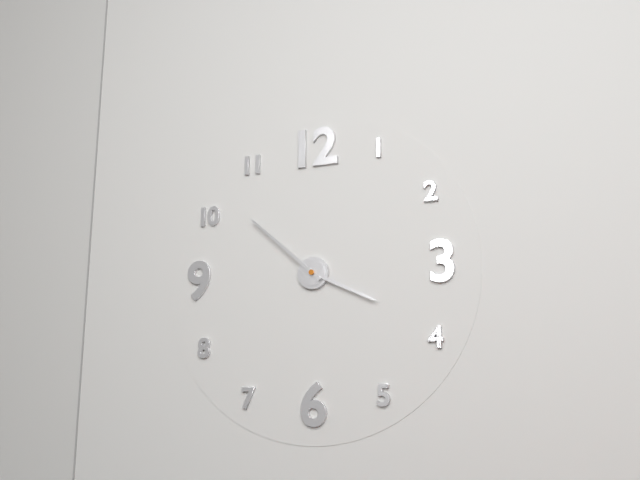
3h52
